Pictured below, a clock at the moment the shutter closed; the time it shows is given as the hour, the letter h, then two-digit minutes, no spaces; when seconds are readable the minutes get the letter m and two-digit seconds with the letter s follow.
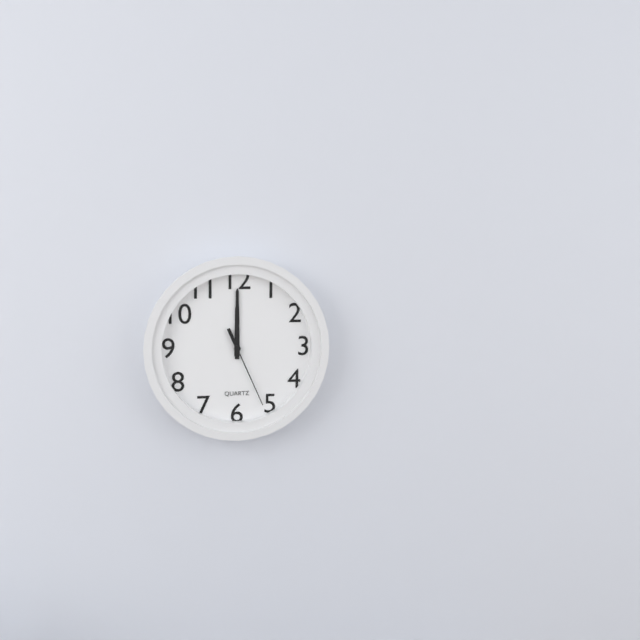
12h00m26s
